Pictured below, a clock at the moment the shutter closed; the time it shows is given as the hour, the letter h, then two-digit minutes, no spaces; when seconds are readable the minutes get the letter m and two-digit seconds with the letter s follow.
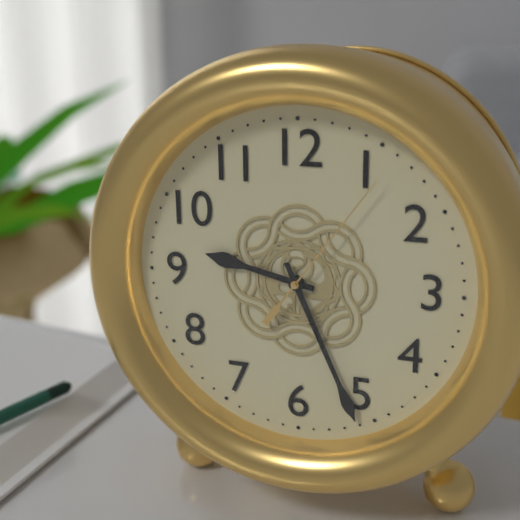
9h26m06s
